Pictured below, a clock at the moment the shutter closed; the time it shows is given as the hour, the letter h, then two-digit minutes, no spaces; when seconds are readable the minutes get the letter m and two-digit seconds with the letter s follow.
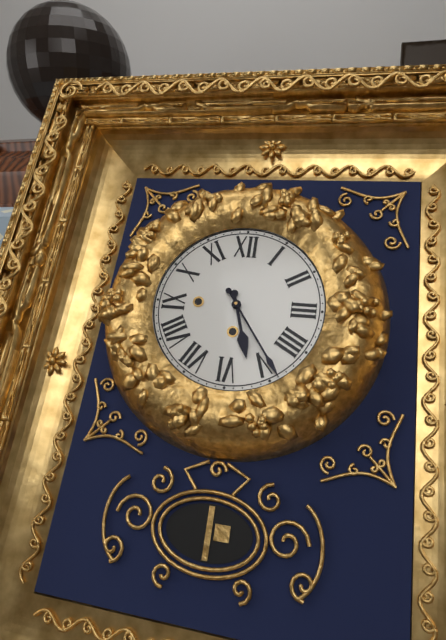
5h24
